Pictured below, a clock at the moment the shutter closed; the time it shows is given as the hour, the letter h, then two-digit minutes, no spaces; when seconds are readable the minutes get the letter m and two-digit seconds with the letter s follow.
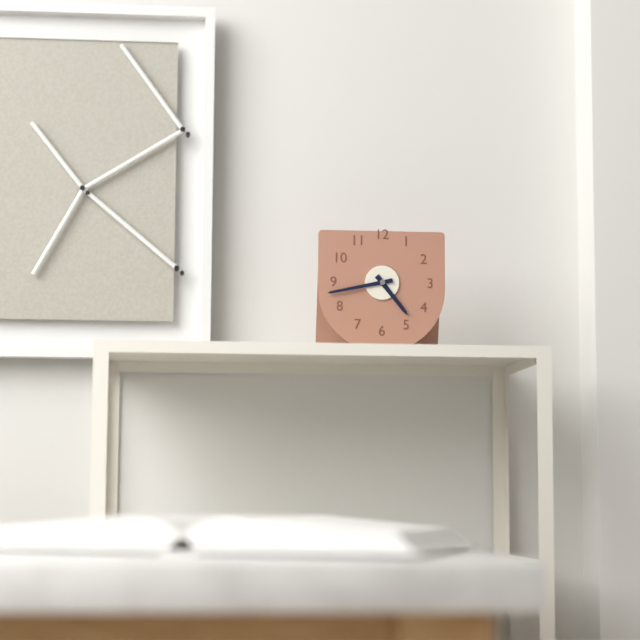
4h43
